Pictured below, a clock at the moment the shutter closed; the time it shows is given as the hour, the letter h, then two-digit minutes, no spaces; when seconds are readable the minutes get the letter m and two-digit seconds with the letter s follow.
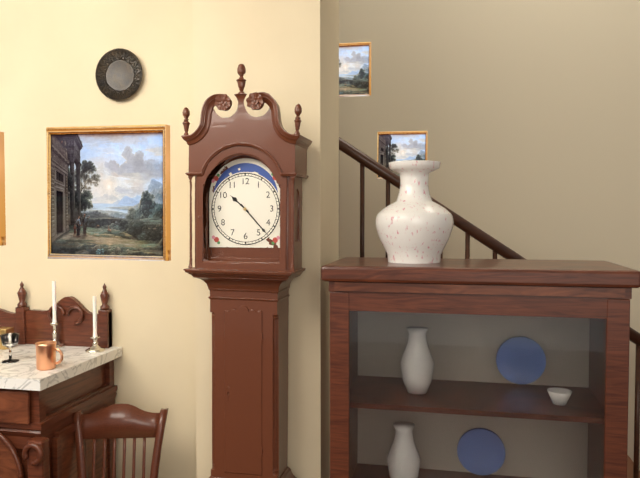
10h23
